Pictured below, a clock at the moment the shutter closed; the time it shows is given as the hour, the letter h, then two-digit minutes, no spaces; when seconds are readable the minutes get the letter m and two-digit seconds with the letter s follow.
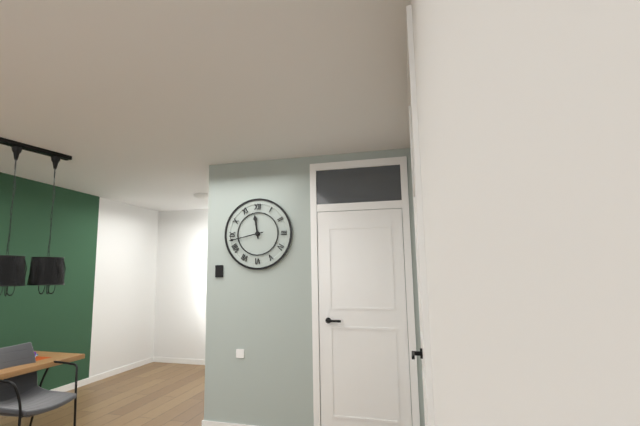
11h43
